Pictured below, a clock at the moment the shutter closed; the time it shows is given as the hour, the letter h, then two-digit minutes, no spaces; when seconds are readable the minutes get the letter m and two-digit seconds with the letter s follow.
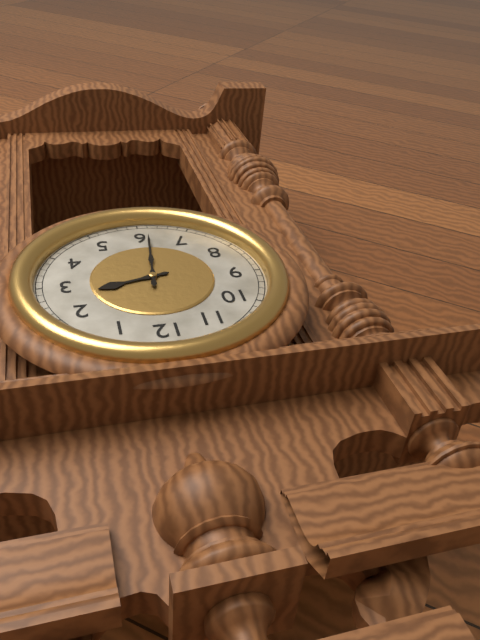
2h31
